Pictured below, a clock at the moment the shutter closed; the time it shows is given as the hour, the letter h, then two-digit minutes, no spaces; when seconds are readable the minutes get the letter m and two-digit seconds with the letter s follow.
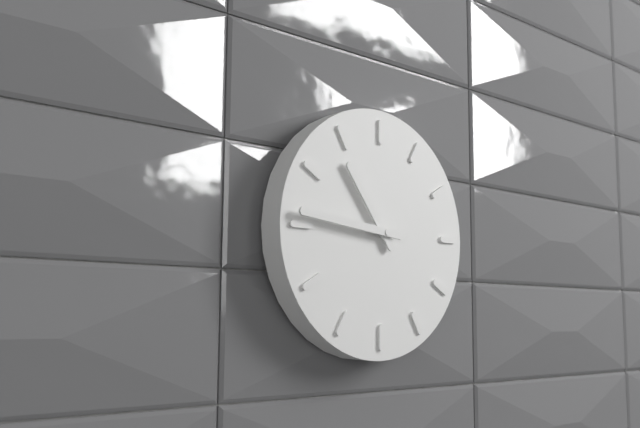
10h46
